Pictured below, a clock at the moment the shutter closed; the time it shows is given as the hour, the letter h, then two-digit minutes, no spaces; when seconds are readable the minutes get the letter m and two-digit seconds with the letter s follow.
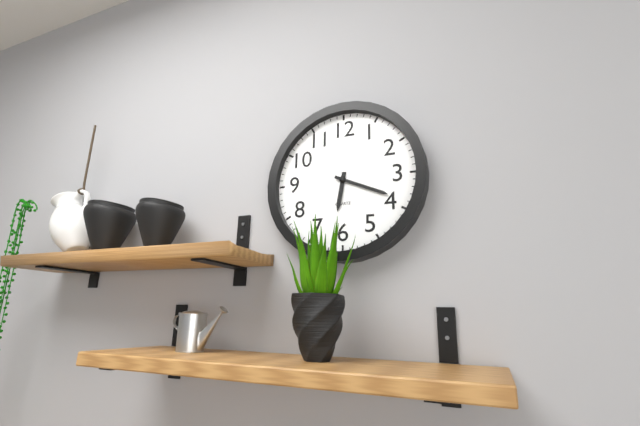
6h19
